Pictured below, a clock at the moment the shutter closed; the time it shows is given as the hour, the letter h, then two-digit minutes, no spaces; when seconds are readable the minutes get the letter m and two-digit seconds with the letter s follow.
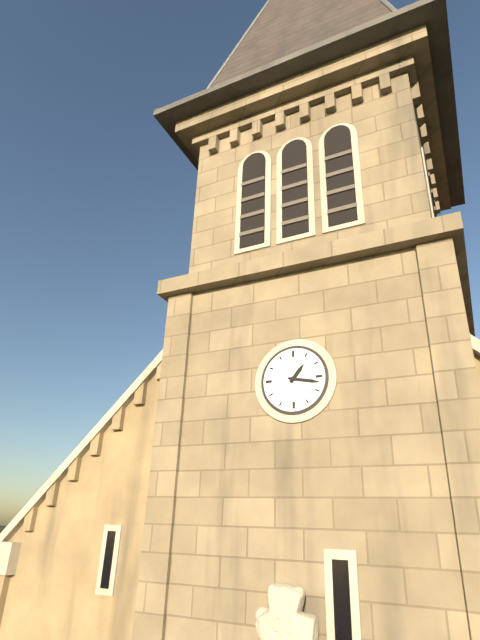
1h17
